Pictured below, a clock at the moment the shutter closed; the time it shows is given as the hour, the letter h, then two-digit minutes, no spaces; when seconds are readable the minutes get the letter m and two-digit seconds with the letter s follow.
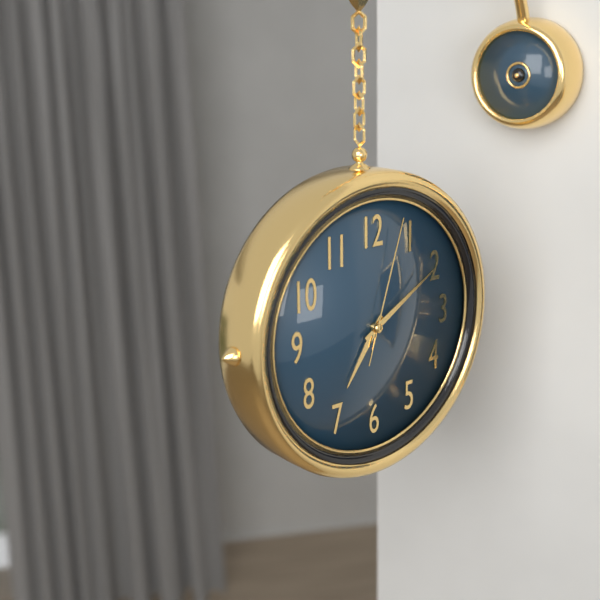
7h10m03s
